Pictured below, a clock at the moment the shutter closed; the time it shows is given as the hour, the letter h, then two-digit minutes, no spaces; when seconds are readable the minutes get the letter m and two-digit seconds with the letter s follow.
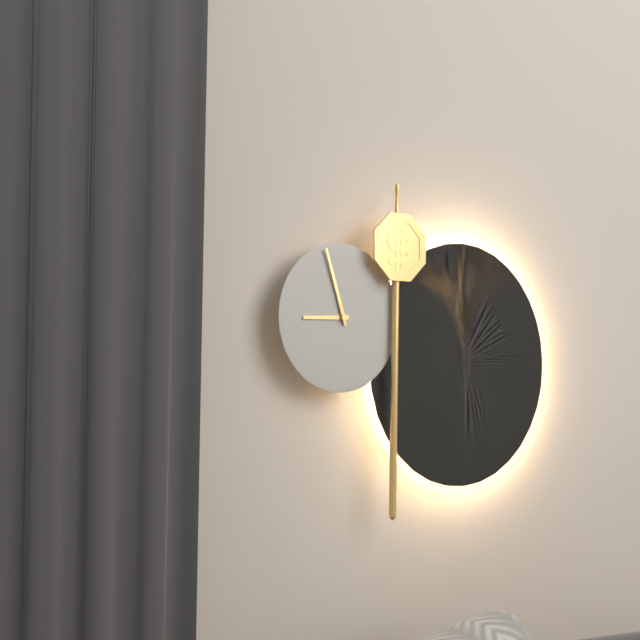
8h57
